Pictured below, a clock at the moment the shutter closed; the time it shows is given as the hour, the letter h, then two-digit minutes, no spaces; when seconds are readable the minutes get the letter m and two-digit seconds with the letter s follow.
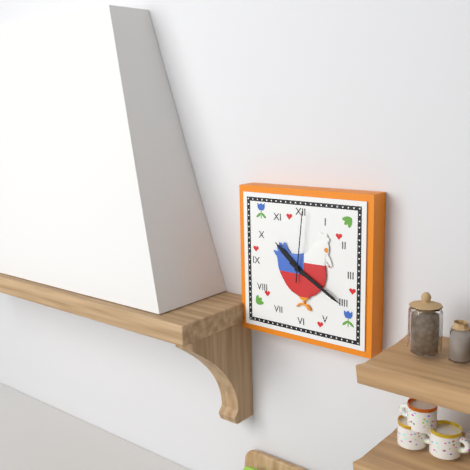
10h20m01s
